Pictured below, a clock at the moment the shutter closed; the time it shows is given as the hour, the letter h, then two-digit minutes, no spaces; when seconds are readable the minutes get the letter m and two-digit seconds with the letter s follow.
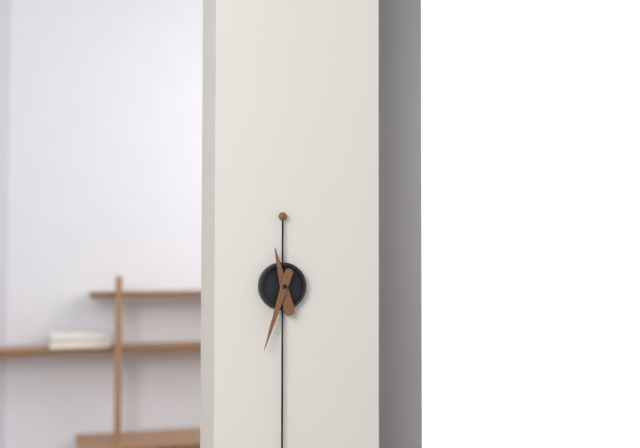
11h33
